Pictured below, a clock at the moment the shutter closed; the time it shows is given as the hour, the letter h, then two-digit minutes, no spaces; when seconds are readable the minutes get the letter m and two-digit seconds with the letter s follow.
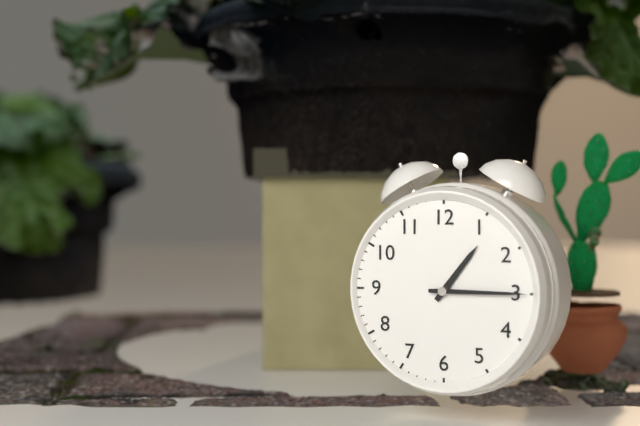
1h15
